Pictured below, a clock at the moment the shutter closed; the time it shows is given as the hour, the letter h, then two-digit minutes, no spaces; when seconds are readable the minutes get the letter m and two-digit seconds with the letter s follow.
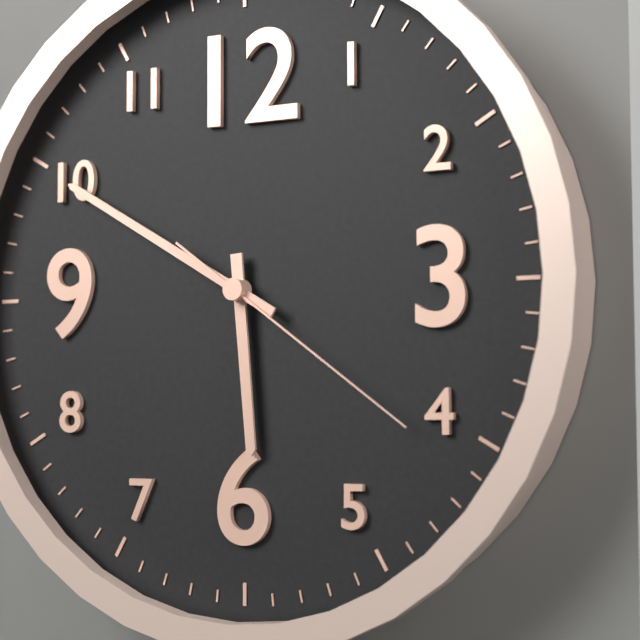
5h50m21s
